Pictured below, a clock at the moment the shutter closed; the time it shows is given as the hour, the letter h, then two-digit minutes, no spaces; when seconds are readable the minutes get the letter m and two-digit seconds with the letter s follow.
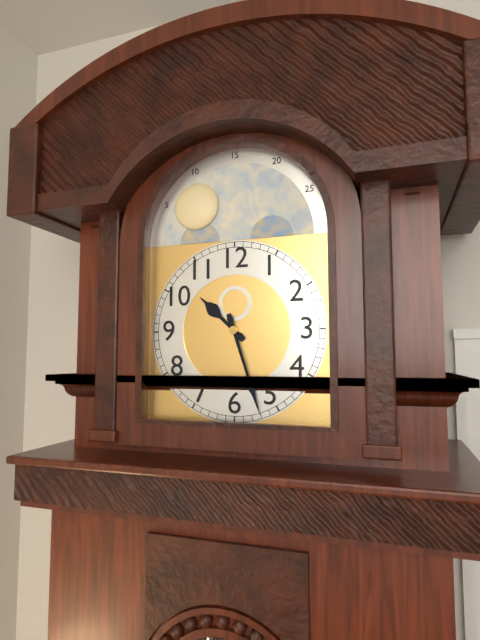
10h27
